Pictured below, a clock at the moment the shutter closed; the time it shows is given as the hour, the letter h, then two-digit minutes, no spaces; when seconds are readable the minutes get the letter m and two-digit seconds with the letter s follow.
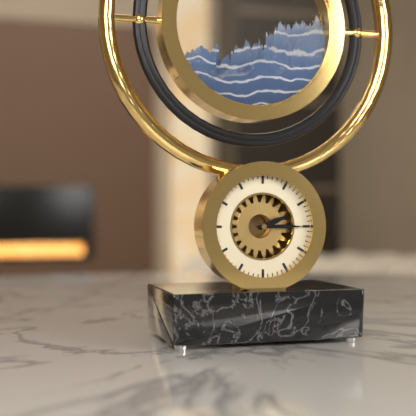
2h15
